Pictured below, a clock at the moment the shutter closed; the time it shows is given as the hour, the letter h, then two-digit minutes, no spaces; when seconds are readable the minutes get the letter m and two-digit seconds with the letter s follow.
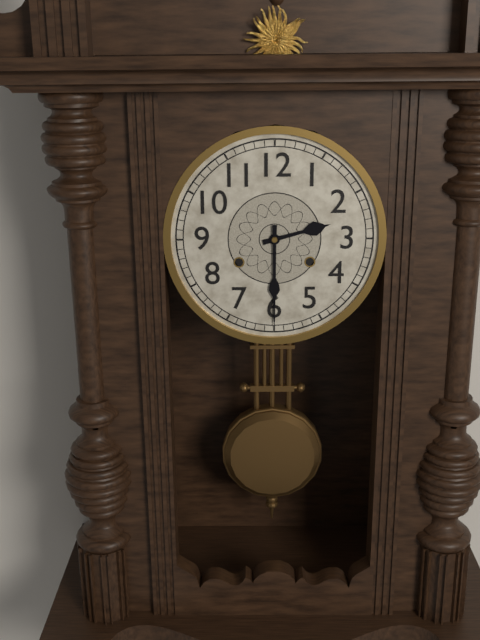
2h30
